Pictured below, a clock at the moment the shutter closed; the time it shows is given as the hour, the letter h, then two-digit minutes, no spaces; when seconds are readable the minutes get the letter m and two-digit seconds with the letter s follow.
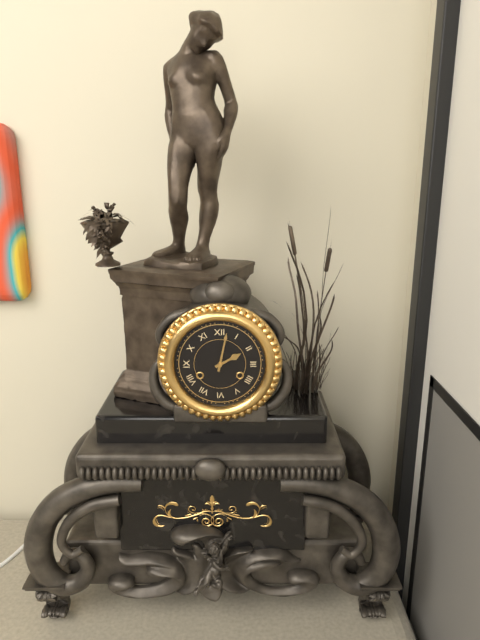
2h02
